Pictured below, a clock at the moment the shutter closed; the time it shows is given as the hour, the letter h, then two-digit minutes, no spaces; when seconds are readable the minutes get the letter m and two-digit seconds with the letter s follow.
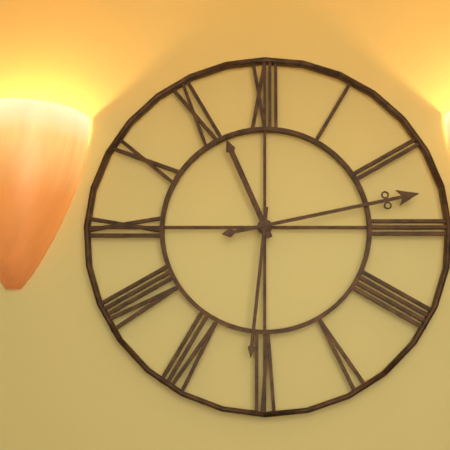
11h13m31s
